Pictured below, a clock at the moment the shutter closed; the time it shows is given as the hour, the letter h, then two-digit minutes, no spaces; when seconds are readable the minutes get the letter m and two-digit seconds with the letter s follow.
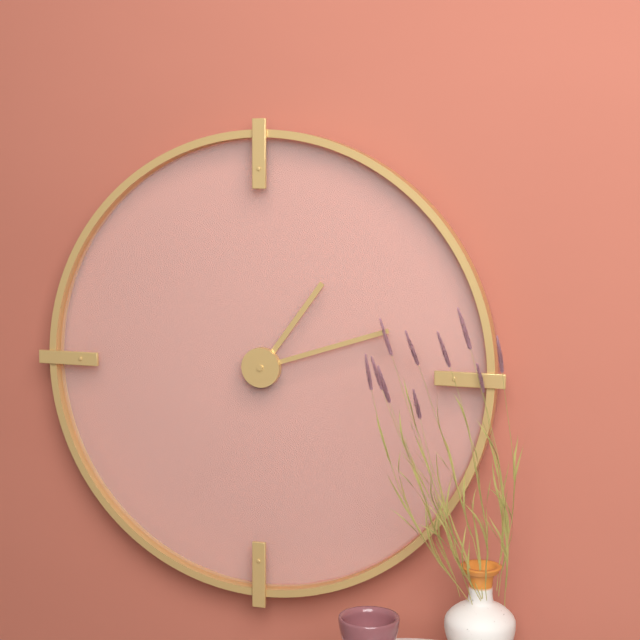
1h12
